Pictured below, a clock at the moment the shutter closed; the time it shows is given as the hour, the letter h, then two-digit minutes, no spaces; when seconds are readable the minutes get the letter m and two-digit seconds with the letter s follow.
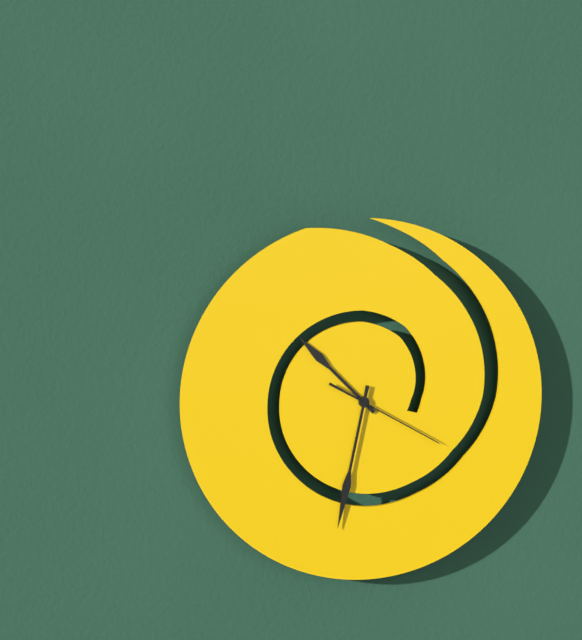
10h32m20s
